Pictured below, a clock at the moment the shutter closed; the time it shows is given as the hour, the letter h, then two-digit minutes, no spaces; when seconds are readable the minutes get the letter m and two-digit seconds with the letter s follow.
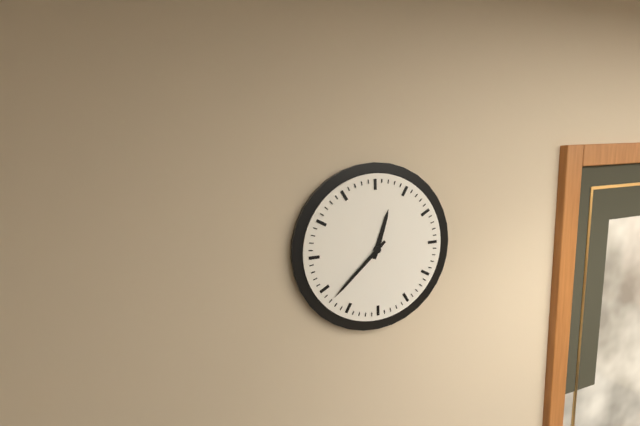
12h38
